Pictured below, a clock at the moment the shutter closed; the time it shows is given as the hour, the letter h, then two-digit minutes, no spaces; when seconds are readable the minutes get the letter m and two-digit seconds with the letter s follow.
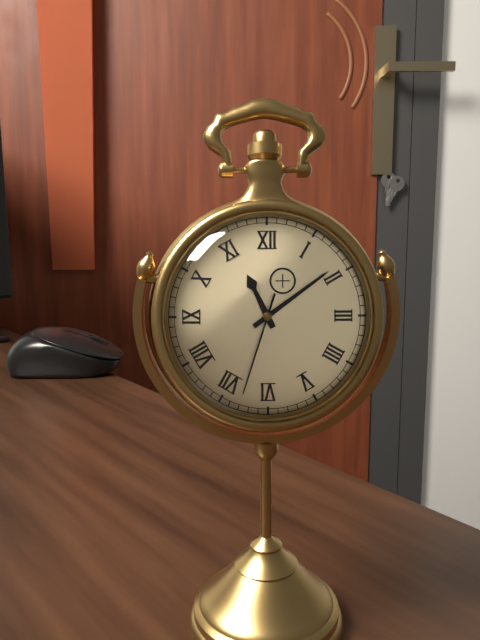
11h09m33s
